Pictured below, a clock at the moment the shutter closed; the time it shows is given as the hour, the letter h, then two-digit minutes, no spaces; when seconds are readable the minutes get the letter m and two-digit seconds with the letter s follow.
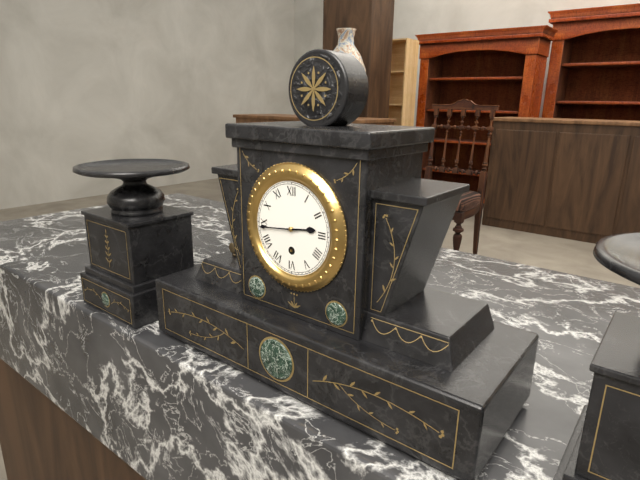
2h44
